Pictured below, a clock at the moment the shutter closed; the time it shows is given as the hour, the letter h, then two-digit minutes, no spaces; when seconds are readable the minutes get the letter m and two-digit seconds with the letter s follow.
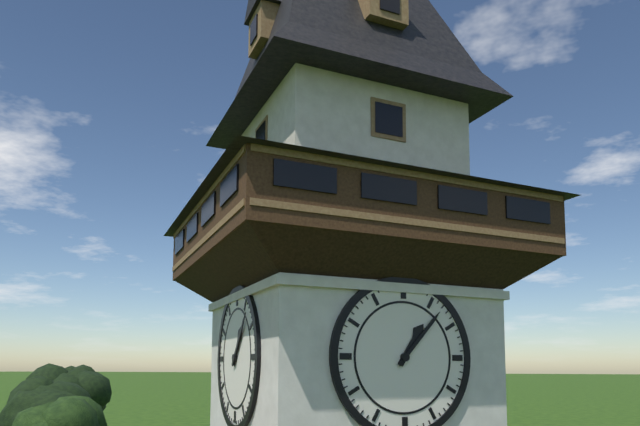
1h07
